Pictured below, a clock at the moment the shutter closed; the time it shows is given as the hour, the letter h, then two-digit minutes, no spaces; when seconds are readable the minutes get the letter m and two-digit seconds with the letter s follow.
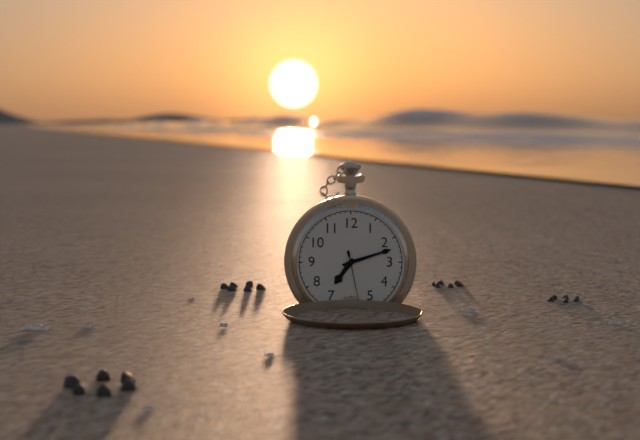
7h12m28s
